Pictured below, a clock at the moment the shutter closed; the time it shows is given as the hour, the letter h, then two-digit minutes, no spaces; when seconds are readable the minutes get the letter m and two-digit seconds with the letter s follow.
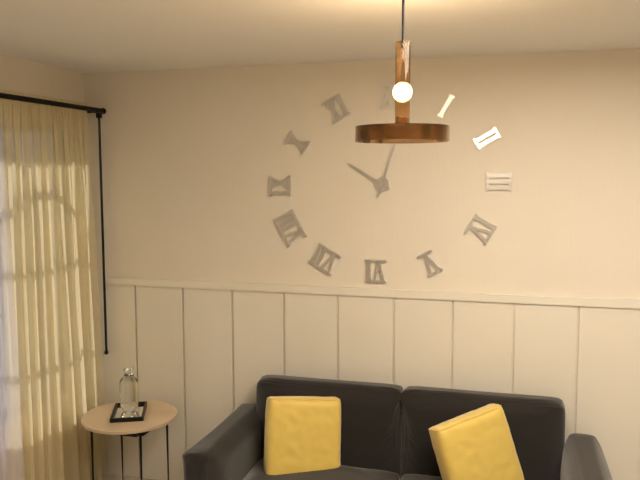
10h03
